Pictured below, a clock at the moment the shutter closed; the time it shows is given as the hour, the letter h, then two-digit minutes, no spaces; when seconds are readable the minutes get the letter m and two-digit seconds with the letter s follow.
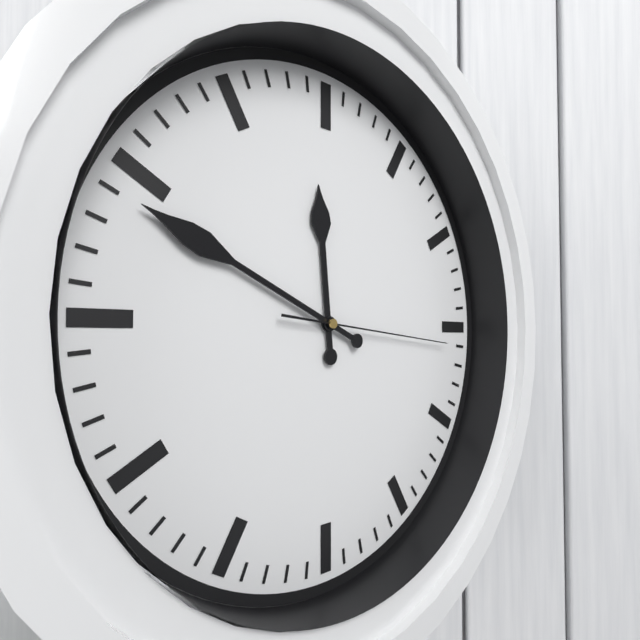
11h49m16s
